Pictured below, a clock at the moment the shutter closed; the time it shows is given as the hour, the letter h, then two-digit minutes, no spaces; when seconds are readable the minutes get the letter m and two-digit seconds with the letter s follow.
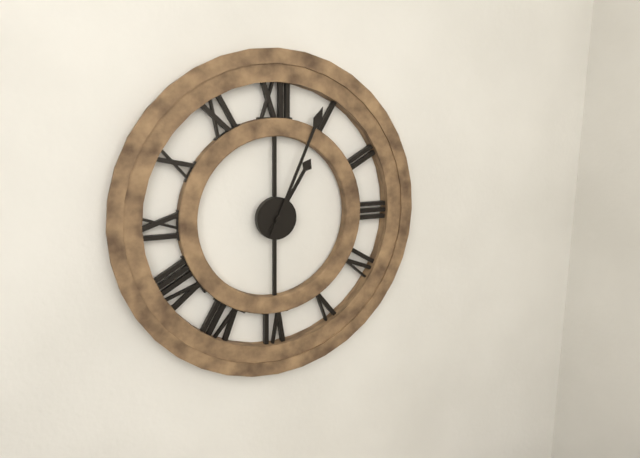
1h04
